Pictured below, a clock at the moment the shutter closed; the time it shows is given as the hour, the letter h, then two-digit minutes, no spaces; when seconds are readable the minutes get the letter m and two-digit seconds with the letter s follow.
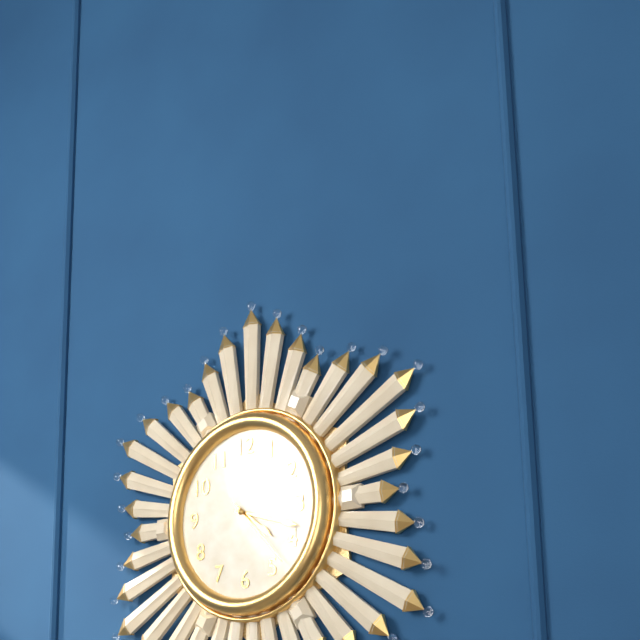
4h18m23s
